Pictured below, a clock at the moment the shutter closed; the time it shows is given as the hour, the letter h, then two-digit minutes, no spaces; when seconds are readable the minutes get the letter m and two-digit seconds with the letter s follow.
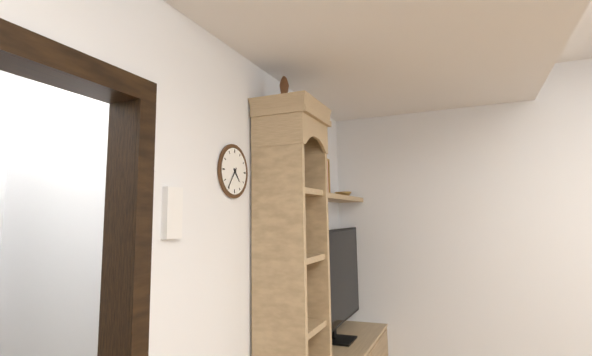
4h36
